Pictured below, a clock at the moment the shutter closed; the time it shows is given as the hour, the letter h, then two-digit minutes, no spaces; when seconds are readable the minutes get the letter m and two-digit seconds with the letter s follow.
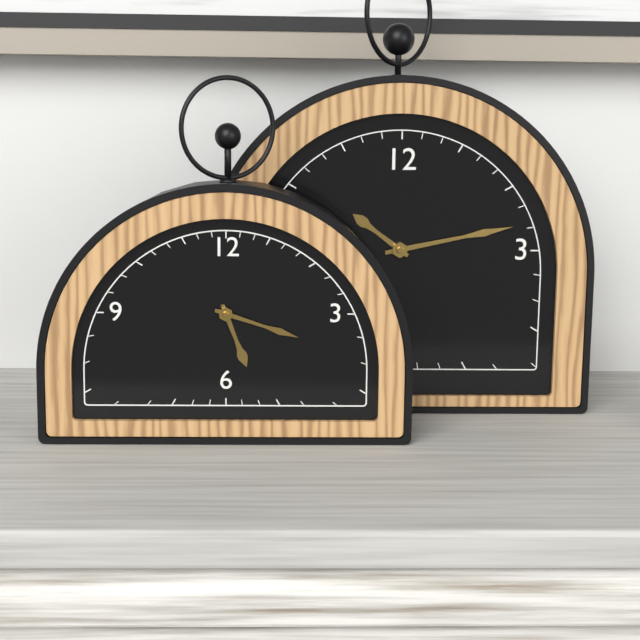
5h18
